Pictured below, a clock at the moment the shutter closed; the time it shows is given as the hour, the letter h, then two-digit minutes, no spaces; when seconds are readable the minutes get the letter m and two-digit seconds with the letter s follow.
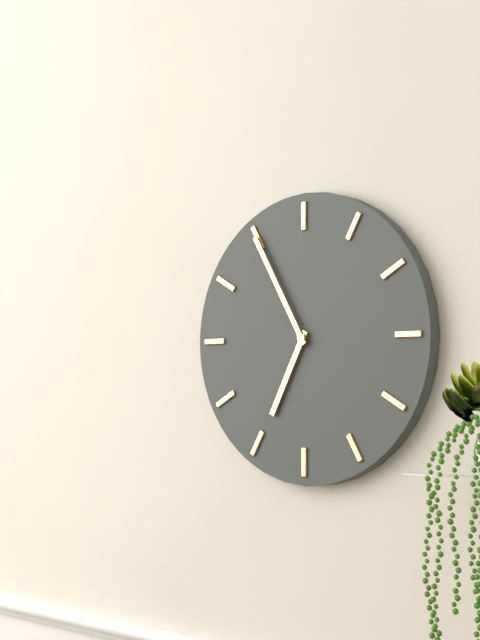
6h55
